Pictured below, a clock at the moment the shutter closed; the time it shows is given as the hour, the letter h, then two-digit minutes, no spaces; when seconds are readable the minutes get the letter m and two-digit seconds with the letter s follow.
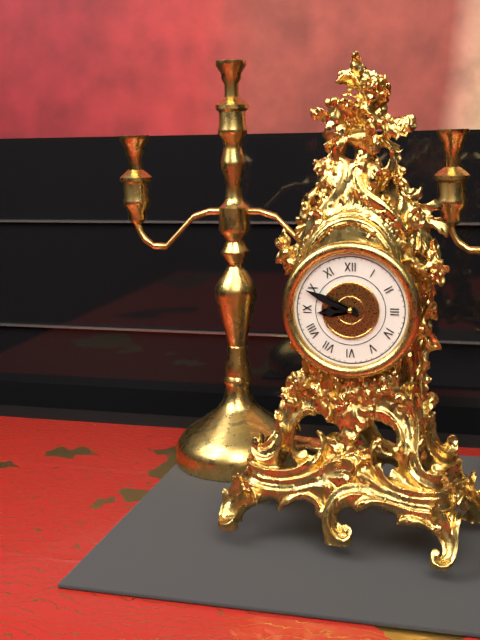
8h49
